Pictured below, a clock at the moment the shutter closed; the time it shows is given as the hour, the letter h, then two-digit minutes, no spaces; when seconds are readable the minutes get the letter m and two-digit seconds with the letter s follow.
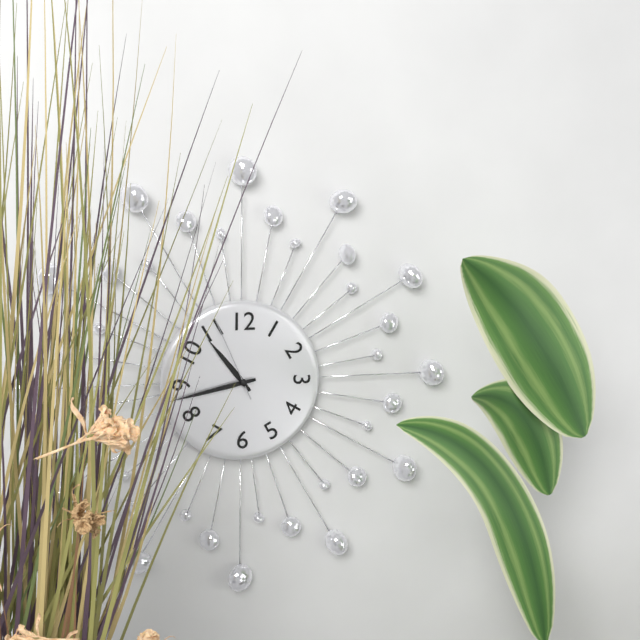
10h43m56s
